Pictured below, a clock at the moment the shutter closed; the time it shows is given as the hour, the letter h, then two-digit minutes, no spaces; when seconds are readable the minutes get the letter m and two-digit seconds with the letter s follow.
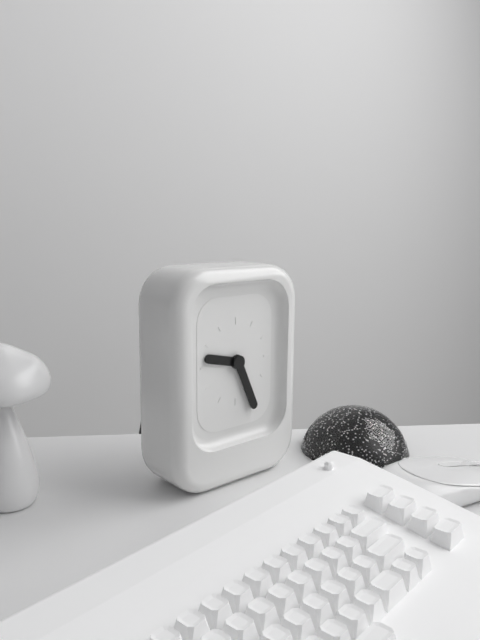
9h26
